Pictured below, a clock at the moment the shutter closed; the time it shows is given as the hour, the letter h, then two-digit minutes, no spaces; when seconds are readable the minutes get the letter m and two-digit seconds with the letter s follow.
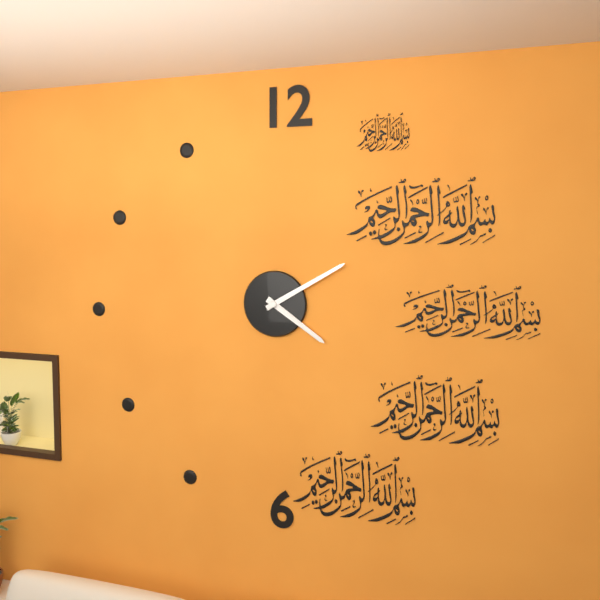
4h10
